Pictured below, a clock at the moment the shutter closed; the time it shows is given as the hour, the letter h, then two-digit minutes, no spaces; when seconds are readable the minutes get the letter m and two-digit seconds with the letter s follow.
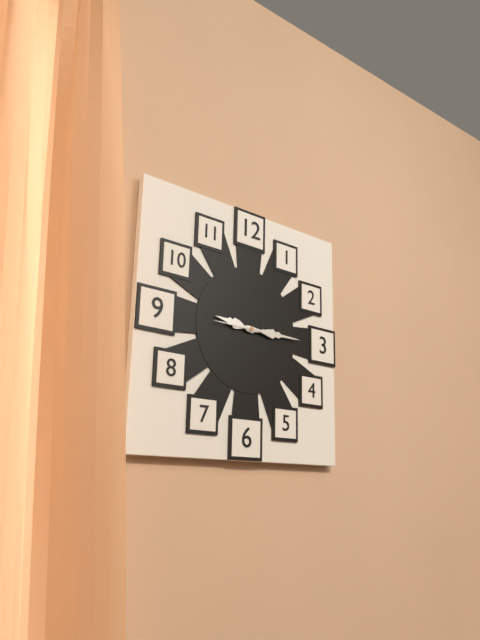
9h15
